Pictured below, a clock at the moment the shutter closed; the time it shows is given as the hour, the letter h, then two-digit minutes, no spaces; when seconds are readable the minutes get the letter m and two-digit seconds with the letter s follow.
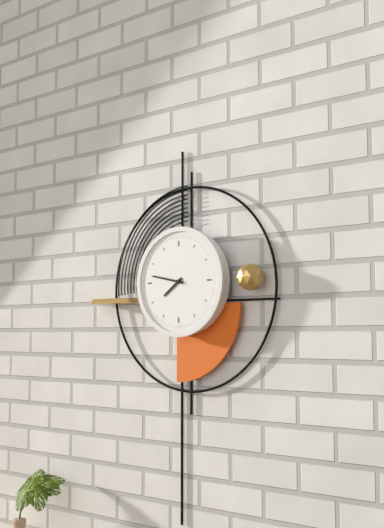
7h47
